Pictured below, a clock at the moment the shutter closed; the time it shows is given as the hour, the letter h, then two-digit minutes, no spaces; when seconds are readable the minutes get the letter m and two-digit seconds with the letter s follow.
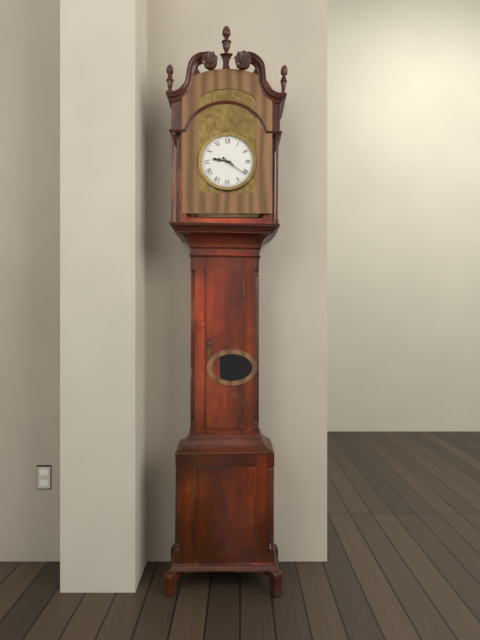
9h21
